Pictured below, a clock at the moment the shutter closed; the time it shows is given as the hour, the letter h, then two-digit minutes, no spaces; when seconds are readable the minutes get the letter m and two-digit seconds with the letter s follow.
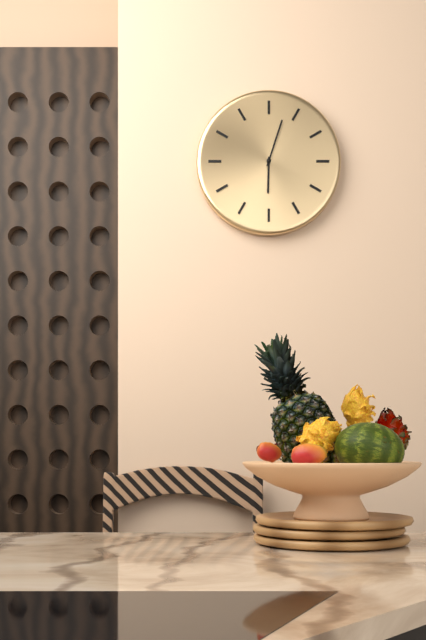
6h03
